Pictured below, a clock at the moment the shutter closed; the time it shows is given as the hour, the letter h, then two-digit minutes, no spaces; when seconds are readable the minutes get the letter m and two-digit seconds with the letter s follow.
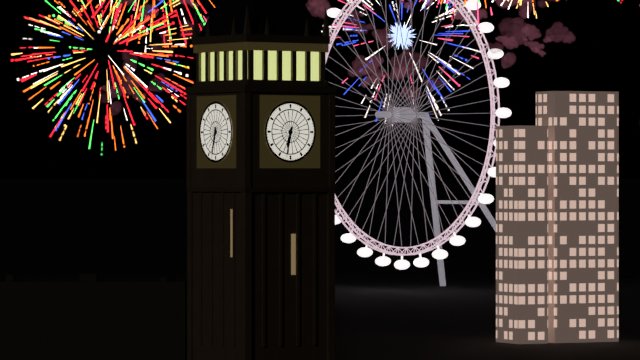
6h32
